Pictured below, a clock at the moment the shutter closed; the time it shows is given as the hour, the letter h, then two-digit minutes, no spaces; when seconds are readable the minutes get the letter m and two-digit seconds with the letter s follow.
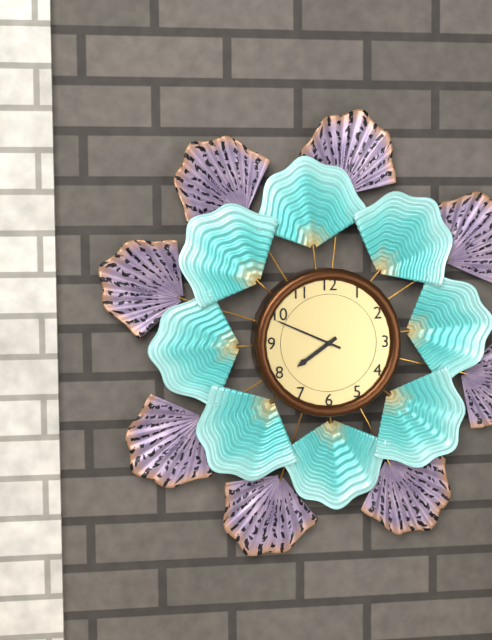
7h49
